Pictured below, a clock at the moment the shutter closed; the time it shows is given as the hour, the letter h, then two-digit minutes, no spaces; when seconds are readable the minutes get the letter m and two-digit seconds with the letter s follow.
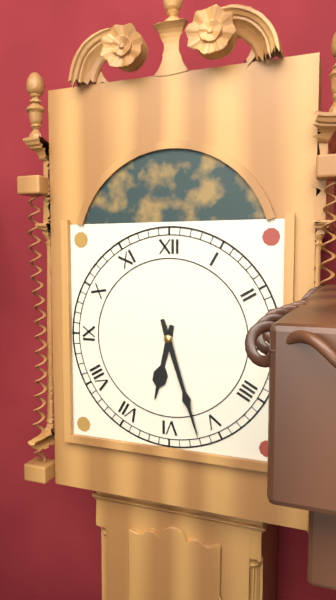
6h27
